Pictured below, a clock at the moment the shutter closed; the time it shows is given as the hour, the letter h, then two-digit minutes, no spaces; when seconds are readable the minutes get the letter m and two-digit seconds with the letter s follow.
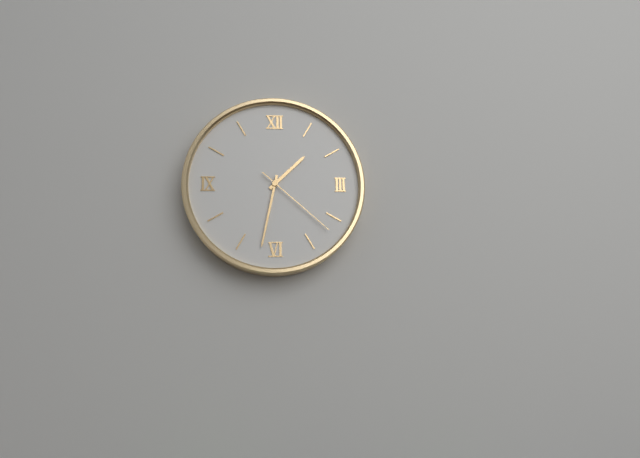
1h32m22s
